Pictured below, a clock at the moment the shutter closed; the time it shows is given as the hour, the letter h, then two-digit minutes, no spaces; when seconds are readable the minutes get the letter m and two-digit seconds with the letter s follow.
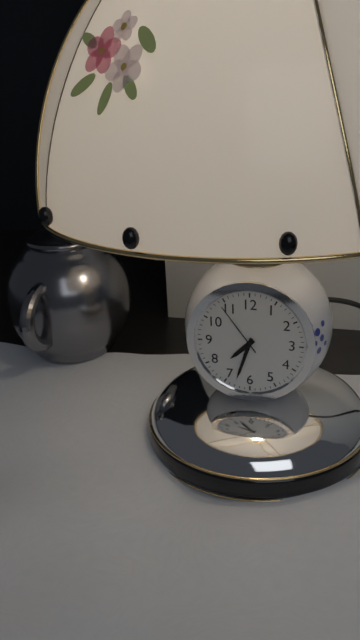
7h33m54s
